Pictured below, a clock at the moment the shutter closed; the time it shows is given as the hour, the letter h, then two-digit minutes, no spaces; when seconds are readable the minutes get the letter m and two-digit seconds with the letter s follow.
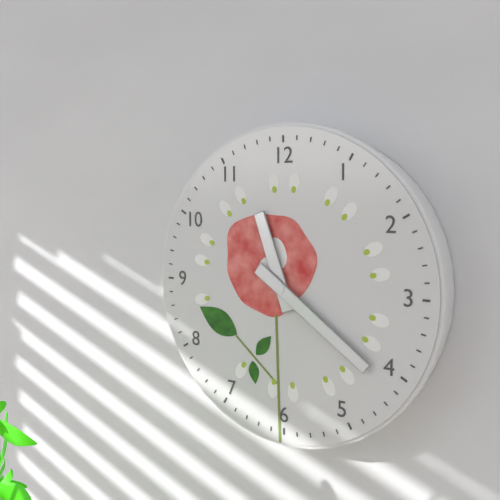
11h21
